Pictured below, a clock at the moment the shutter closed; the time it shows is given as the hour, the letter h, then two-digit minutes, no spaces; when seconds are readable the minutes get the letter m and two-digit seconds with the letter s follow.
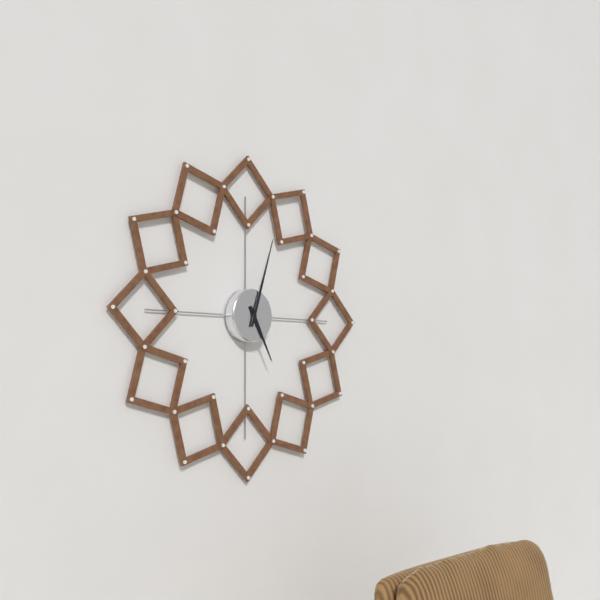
5h03
